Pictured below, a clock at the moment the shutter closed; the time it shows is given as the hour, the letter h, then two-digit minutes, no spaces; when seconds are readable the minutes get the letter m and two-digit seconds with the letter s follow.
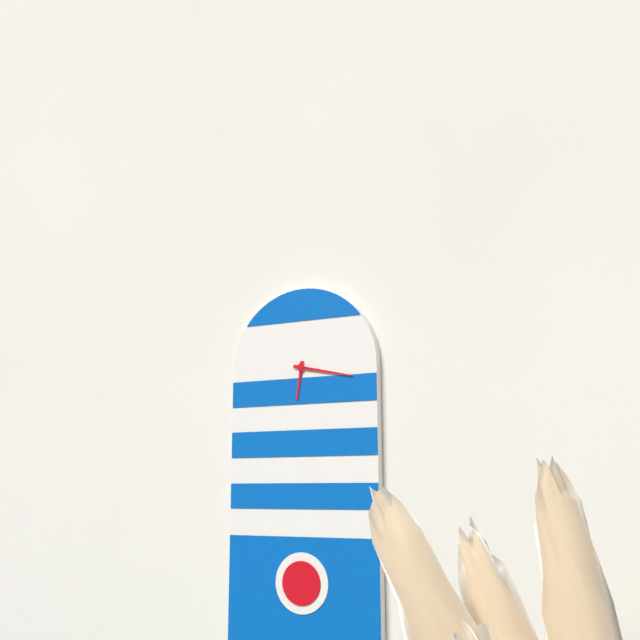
6h17
